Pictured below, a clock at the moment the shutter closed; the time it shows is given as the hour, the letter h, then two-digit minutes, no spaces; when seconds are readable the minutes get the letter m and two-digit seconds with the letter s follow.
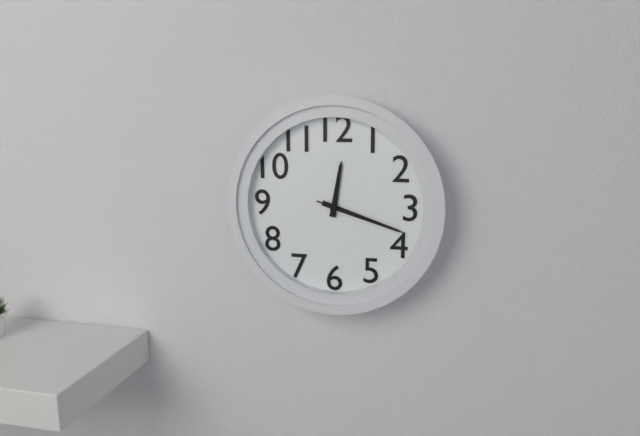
12h18m18s
